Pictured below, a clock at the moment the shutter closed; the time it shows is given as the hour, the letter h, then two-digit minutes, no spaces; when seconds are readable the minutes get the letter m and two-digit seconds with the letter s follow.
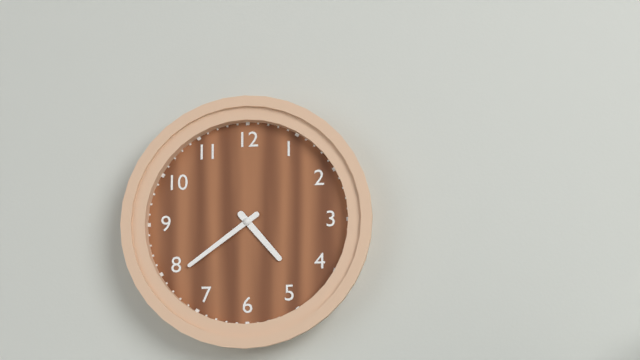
4h39
